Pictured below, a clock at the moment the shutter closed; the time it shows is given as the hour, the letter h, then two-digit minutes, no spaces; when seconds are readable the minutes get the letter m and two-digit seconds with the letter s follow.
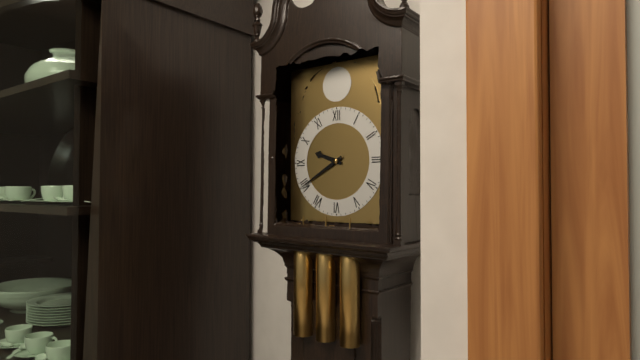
9h40
